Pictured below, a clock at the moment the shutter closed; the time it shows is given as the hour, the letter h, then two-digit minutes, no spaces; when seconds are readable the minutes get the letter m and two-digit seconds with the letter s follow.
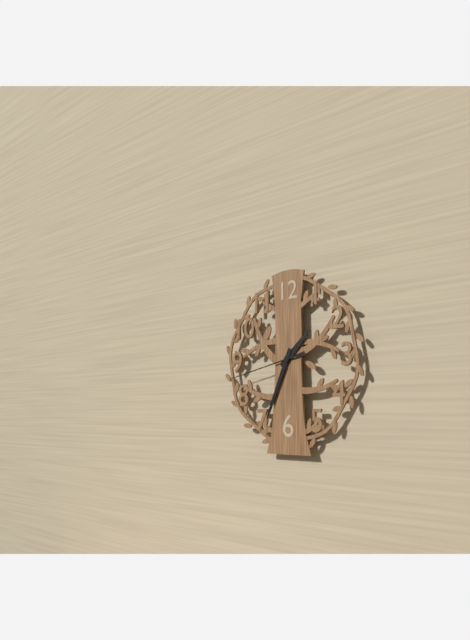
1h34m43s
